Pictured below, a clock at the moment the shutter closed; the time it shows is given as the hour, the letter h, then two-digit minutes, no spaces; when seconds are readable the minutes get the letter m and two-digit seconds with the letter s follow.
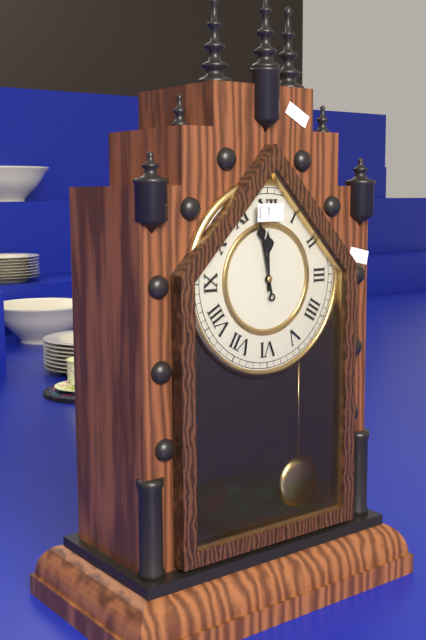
11h58
